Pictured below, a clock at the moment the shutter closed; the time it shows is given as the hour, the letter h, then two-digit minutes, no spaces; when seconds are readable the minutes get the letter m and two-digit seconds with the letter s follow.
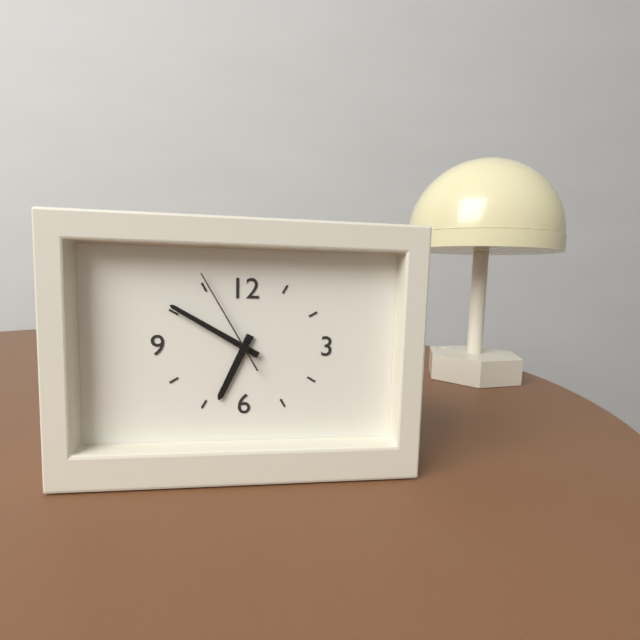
6h50m55s
